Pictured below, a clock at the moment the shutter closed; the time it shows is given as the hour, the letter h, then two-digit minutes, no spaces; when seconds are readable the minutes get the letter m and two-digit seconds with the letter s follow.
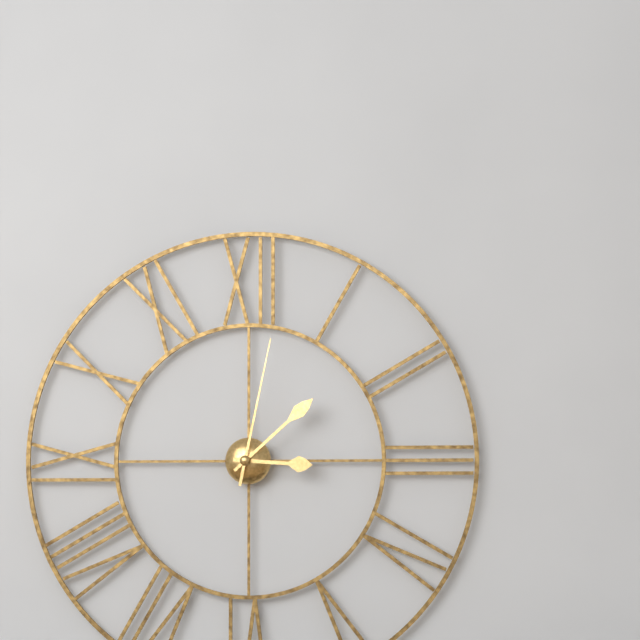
3h08m02s
